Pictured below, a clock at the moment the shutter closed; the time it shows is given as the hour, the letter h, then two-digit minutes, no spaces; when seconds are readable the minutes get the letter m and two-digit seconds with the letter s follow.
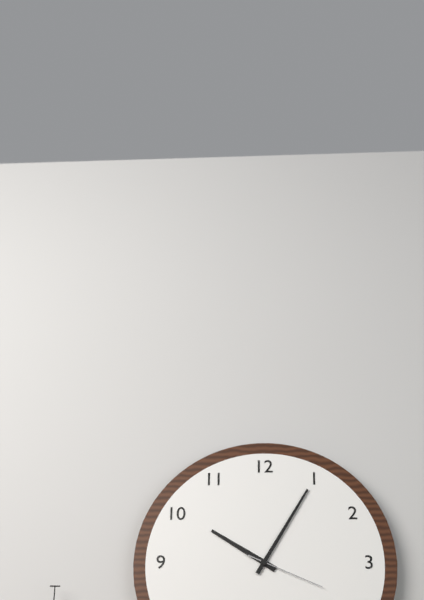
10h05m19s
